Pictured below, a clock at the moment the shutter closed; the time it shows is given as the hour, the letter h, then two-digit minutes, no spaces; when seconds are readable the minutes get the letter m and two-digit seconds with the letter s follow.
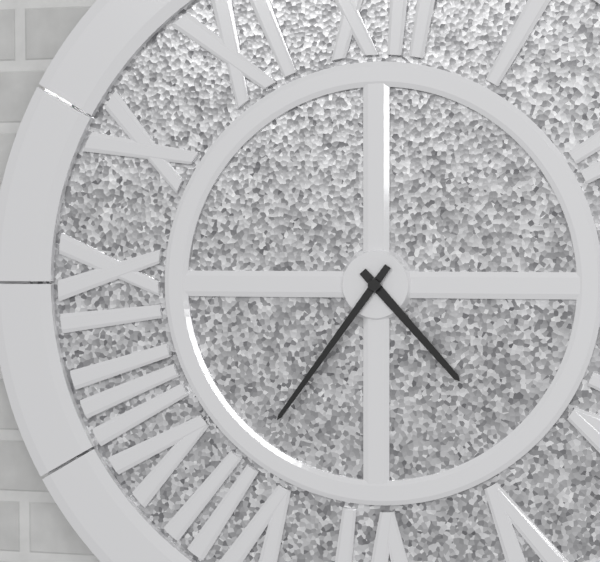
4h36
